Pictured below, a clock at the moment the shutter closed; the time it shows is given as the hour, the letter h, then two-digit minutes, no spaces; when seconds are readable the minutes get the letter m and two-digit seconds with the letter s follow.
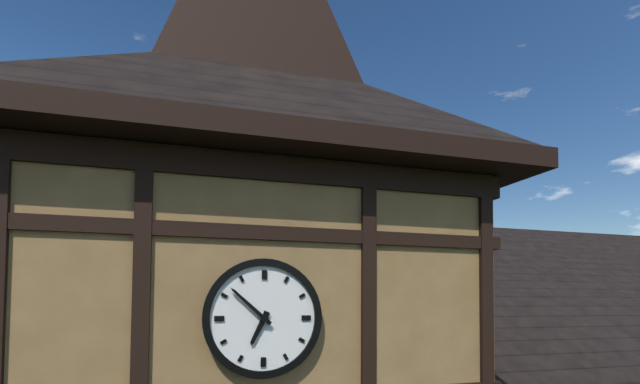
6h52
